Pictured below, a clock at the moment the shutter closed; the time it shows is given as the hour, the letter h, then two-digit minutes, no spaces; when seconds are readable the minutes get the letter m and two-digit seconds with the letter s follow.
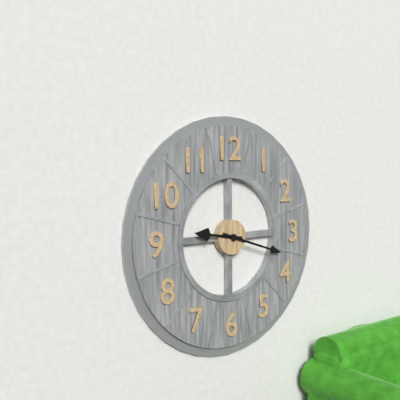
9h18
